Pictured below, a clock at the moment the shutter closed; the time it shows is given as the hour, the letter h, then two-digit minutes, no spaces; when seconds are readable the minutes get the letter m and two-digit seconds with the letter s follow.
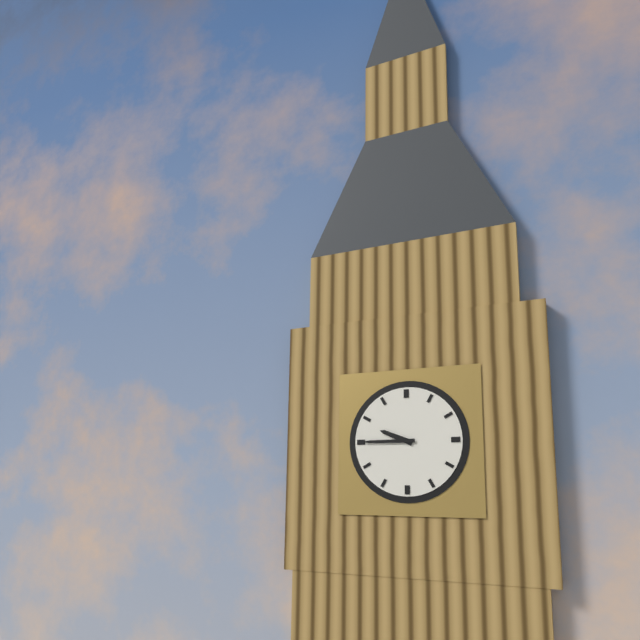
9h45
